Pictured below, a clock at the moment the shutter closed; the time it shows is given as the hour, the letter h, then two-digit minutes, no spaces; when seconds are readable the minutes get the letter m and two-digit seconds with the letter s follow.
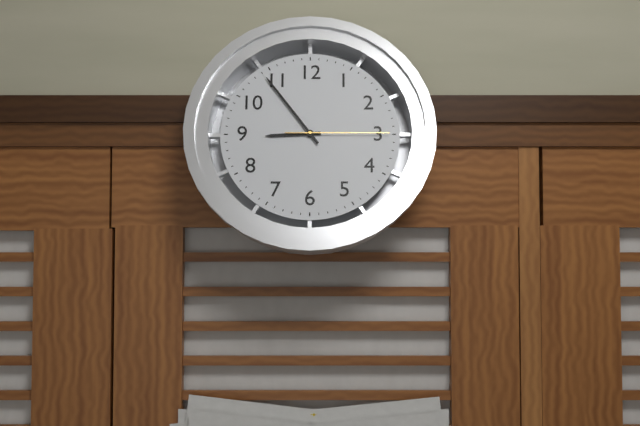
8h54m15s
